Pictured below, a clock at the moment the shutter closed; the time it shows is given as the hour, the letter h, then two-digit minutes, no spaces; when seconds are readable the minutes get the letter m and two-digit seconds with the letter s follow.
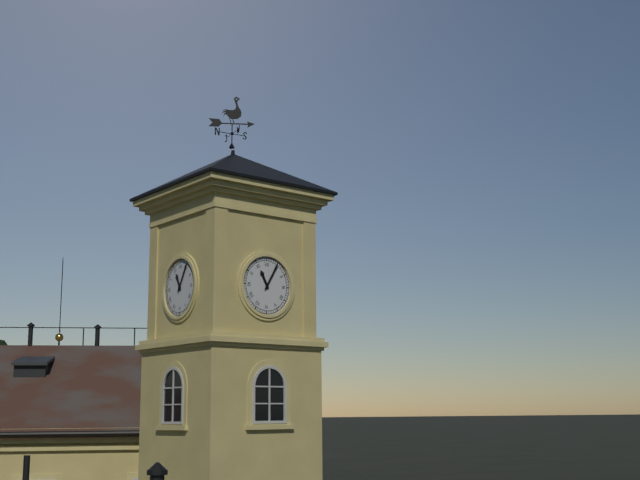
11h05
